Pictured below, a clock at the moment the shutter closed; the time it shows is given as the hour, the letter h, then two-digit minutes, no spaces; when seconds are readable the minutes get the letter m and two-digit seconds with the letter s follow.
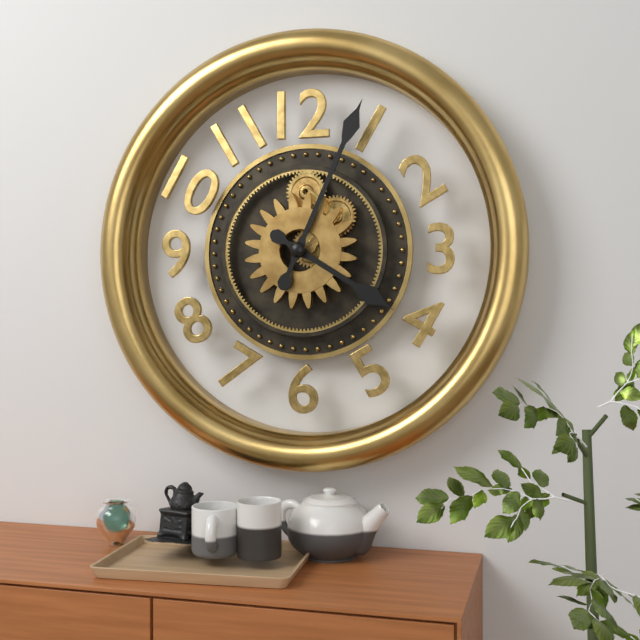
4h04
